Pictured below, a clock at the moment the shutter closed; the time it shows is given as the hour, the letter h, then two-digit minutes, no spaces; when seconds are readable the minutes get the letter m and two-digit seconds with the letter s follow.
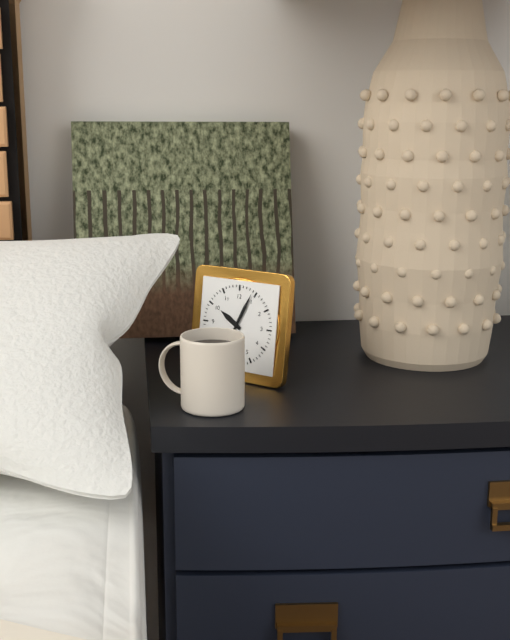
10h04
